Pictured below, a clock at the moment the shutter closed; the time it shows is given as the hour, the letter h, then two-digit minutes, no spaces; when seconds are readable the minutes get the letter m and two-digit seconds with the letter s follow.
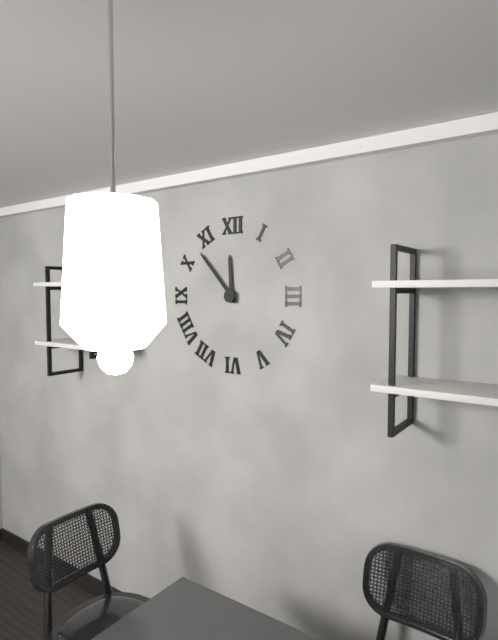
11h53
